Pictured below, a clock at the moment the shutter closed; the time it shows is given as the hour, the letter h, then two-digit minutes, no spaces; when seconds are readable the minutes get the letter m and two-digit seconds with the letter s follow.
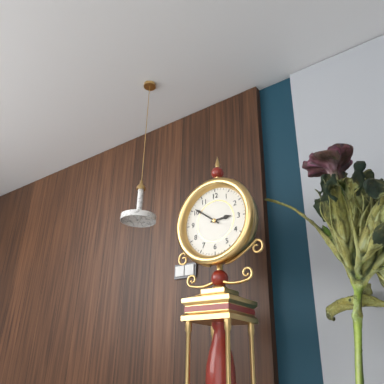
2h51
